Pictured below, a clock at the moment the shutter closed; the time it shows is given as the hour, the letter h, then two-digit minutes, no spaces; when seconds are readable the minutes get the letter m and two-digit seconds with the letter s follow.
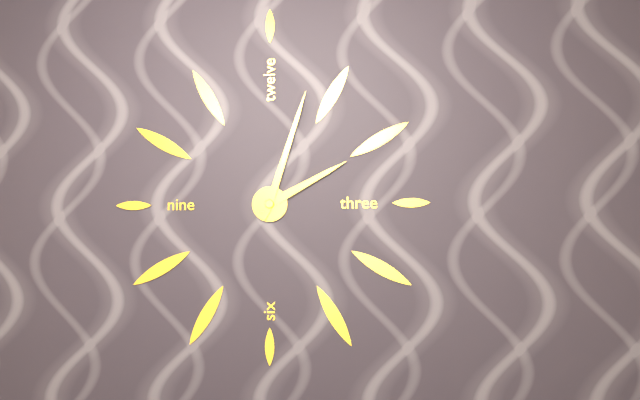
2h03
